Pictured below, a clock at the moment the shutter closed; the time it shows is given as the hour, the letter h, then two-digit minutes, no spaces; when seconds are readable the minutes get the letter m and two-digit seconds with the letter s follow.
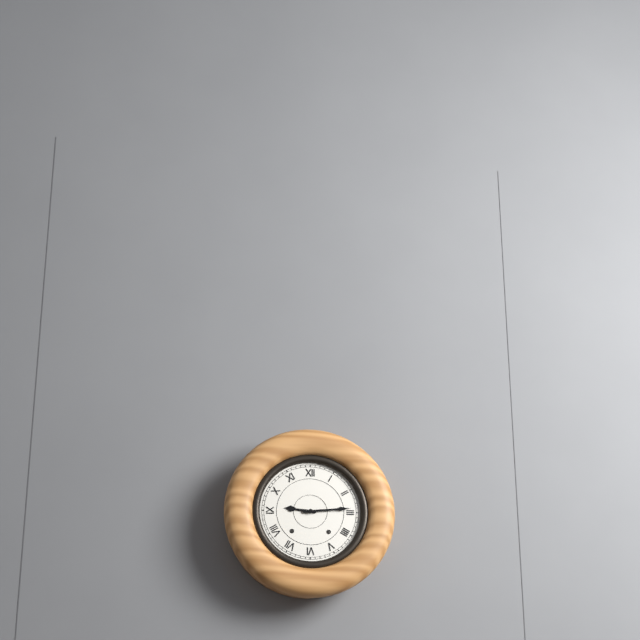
9h14
